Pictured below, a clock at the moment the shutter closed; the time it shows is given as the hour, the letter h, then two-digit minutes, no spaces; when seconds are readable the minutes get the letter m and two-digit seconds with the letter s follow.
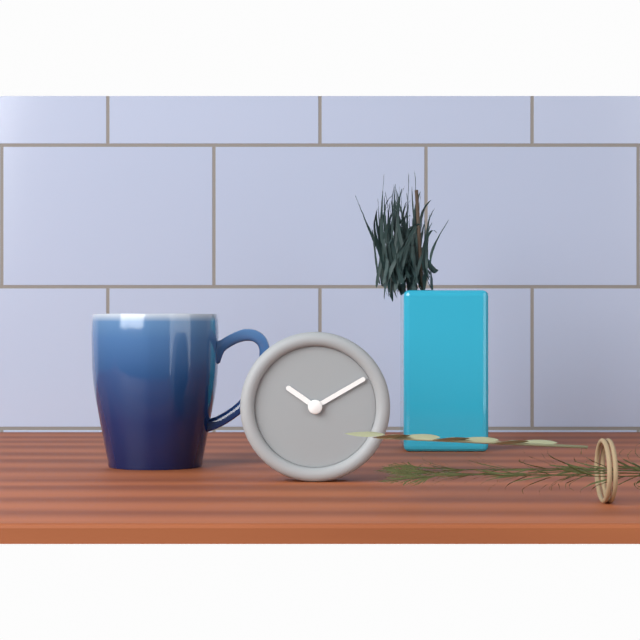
10h10
